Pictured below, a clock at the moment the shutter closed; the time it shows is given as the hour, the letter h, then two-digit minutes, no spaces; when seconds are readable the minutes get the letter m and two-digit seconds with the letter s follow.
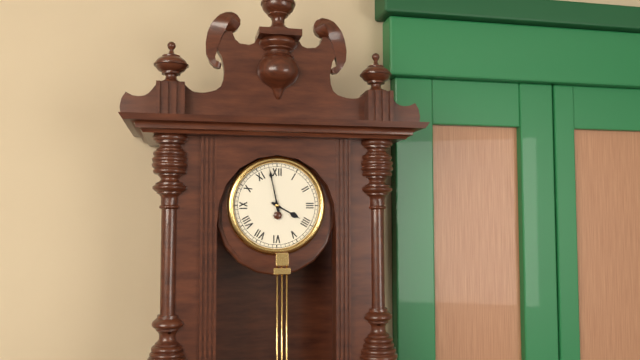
3h58
